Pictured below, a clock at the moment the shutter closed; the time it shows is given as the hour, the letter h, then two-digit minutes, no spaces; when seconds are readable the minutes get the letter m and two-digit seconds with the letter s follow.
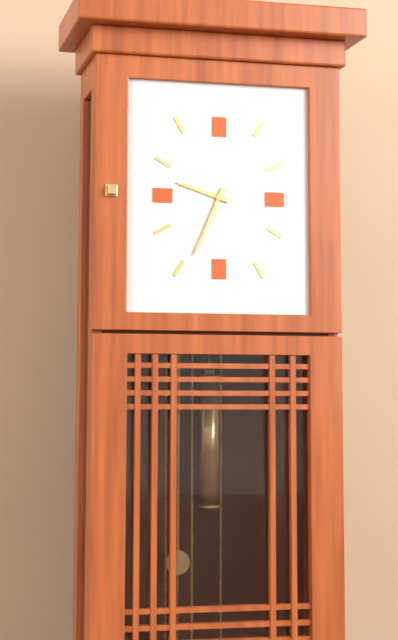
9h34
